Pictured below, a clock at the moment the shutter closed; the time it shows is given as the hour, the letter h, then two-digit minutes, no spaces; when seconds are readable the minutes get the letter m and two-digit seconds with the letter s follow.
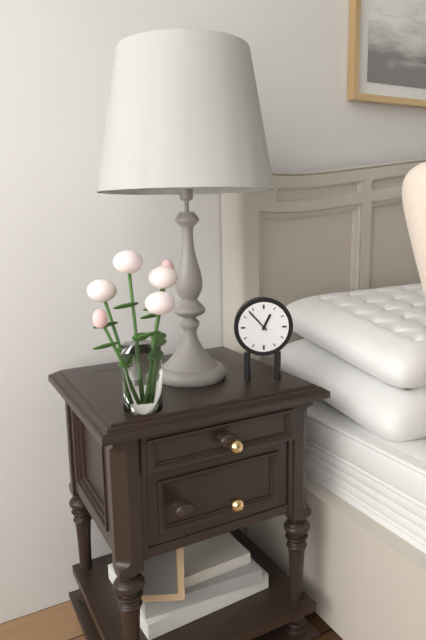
12h53
